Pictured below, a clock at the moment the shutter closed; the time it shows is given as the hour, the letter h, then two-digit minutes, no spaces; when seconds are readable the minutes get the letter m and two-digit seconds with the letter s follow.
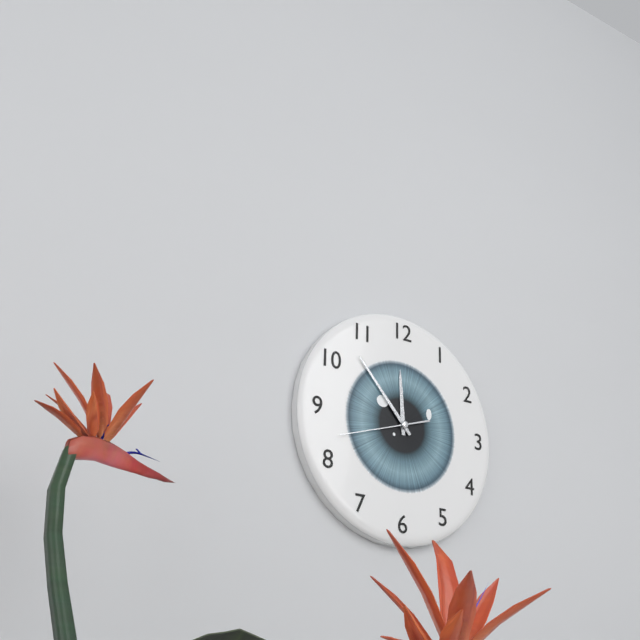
11h53m42s
